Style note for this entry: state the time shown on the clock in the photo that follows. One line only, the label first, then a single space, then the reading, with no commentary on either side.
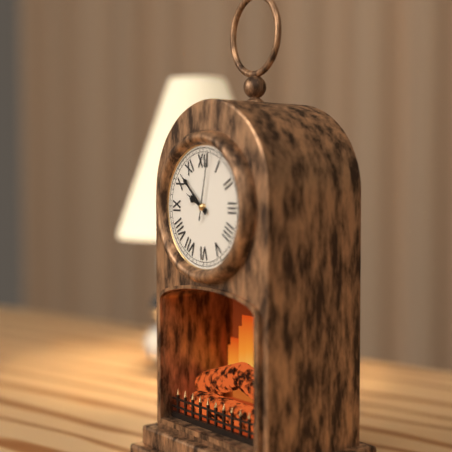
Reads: 9:52:02
